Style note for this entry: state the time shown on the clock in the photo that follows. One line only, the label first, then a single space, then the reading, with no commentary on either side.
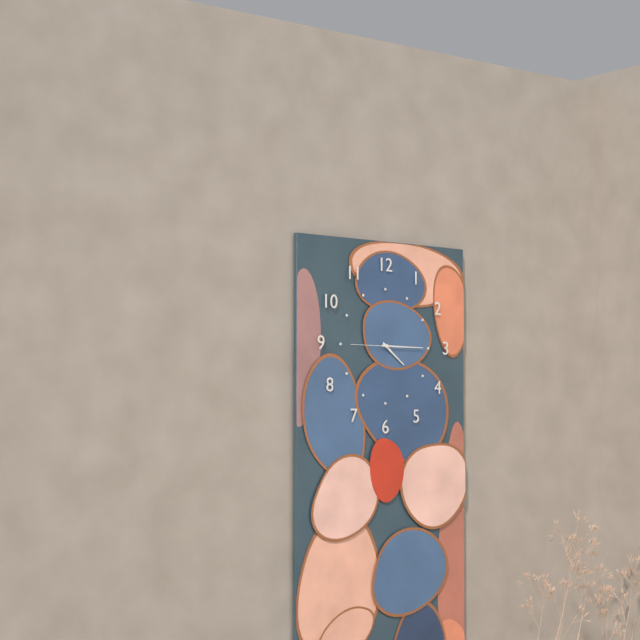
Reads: 4:15
